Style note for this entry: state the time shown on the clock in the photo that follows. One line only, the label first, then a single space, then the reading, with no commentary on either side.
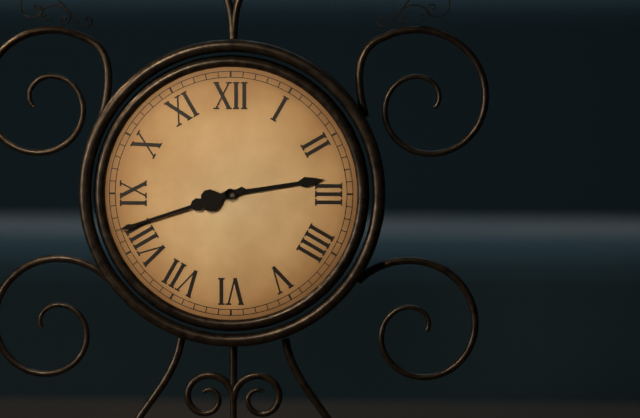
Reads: 2:42
